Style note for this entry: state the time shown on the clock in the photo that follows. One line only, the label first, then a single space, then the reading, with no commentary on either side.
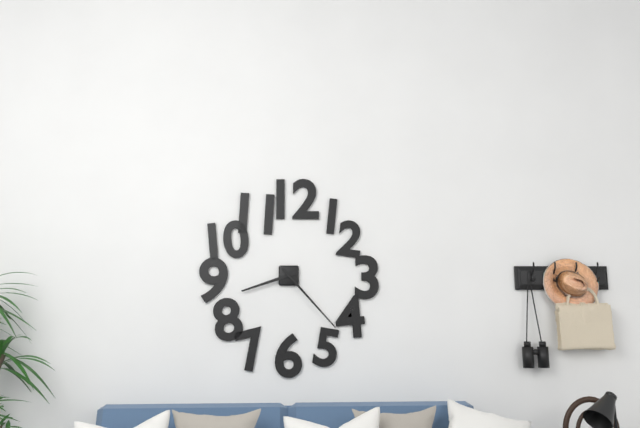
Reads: 8:23
